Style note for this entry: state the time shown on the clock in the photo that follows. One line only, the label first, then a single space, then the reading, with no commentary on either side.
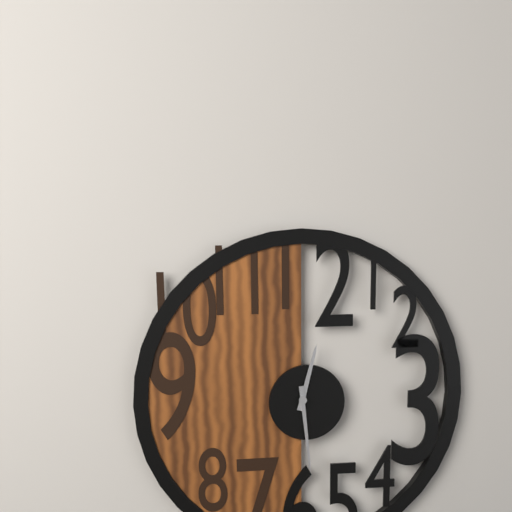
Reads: 12:29
